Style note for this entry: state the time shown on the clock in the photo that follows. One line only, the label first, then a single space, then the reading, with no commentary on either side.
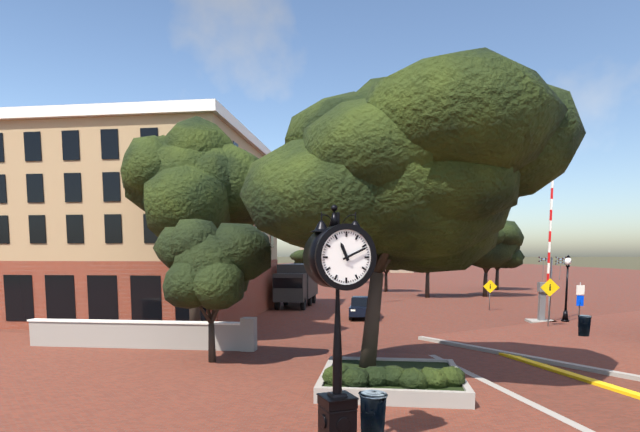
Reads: 11:11
